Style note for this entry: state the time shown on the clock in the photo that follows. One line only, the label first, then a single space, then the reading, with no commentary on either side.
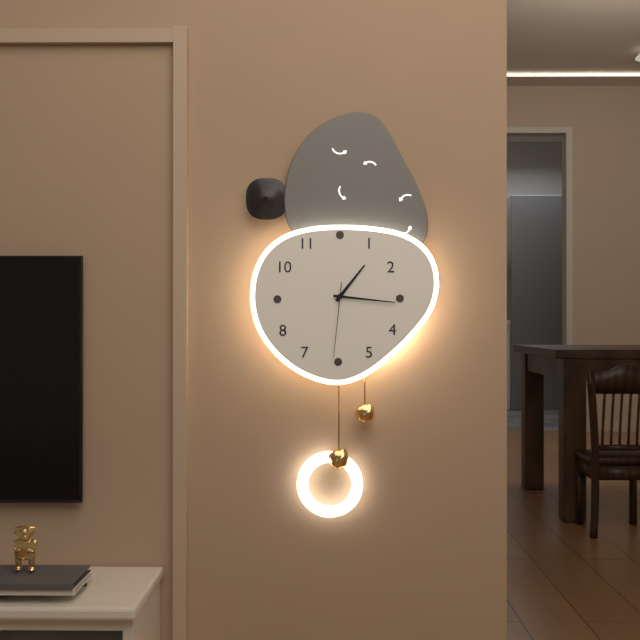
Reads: 1:16:31
